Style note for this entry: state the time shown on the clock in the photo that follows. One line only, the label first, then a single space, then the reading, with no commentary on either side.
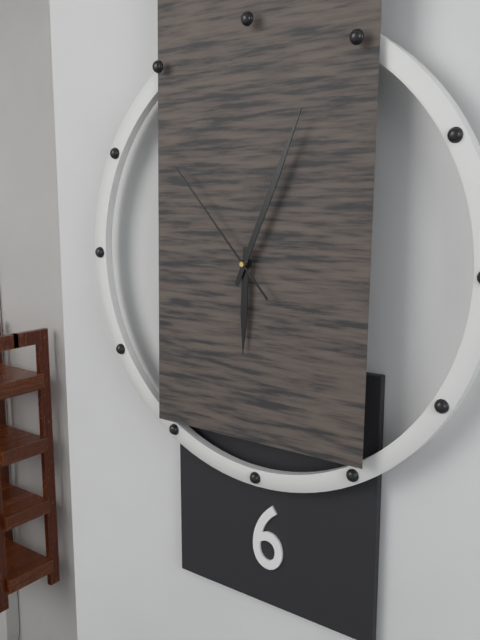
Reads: 6:04:53
